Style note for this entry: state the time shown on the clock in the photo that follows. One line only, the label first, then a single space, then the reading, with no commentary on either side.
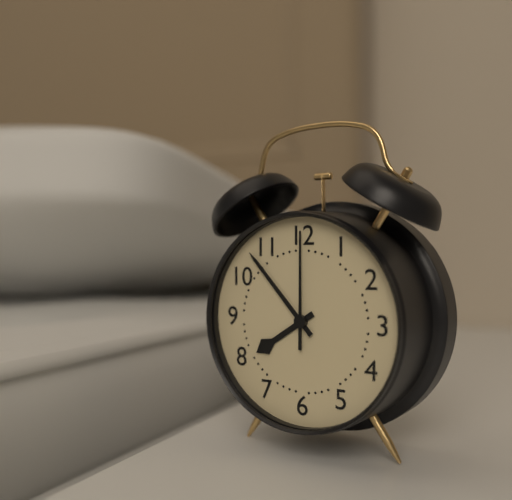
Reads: 7:53:00
